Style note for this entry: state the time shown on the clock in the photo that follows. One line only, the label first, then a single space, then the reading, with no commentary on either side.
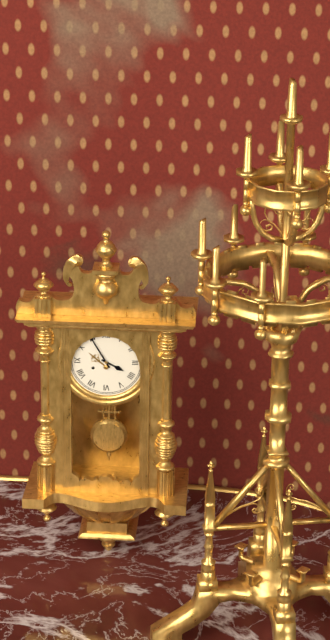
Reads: 3:55
